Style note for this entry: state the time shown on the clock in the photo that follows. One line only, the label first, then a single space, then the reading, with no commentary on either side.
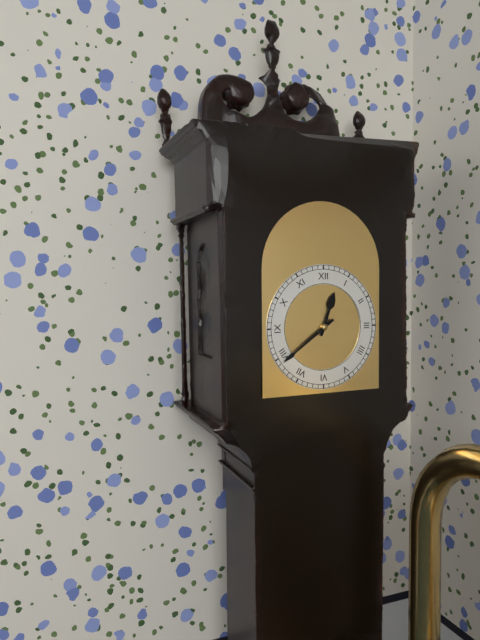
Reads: 12:39
